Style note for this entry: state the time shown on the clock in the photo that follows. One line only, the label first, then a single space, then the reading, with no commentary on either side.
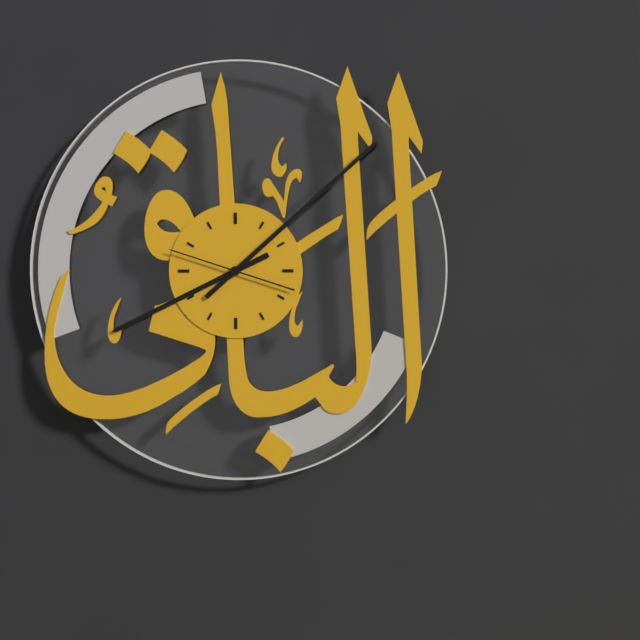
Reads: 8:08:48
